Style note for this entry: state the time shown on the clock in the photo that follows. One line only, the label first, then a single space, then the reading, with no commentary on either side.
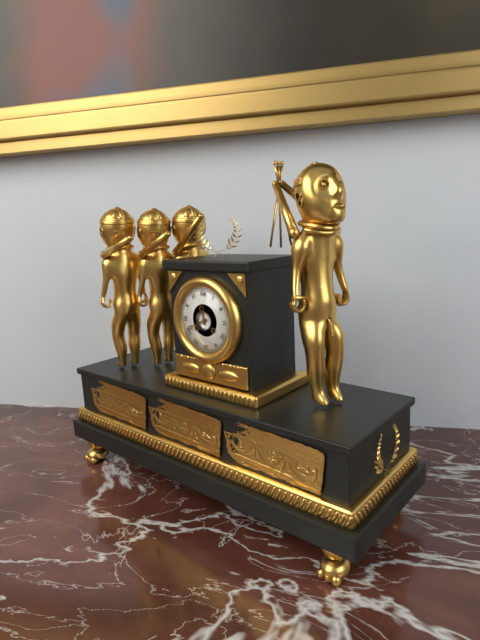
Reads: 11:41
